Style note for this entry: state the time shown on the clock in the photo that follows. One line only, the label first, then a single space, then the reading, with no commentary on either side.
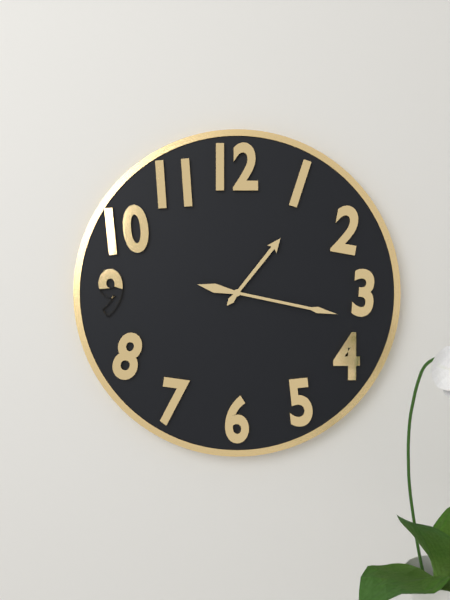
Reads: 1:17
